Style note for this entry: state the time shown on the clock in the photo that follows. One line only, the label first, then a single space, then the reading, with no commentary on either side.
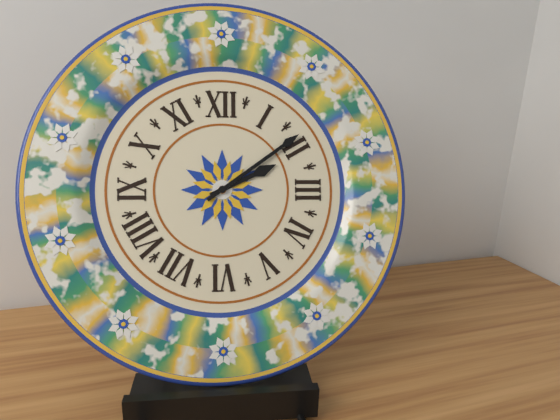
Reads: 2:09
